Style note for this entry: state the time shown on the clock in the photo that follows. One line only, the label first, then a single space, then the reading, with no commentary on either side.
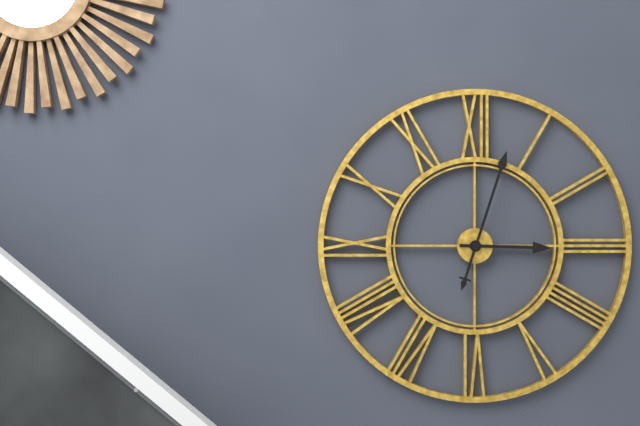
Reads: 3:03
